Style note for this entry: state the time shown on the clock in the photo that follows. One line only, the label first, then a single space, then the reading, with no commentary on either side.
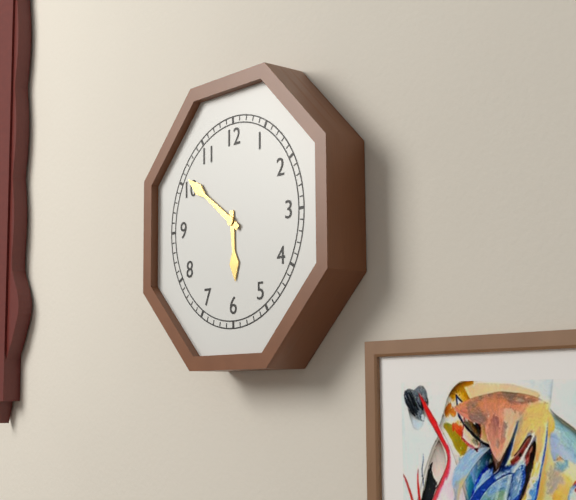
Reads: 5:51
